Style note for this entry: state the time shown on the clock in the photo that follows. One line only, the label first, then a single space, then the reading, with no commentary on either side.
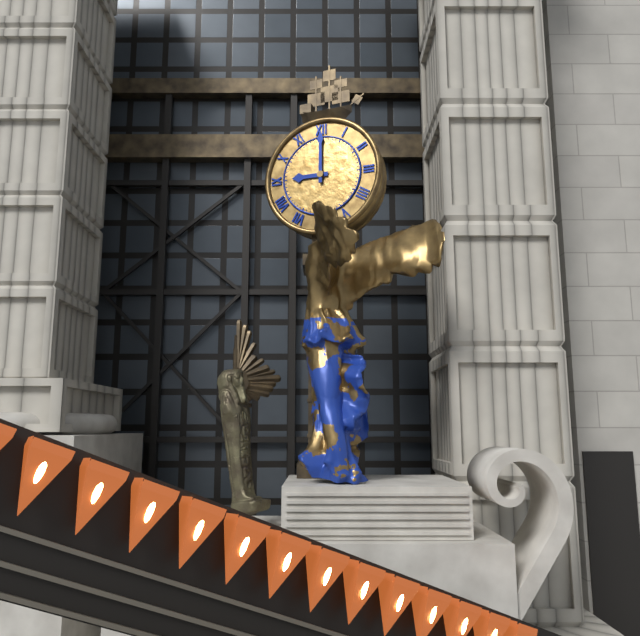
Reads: 9:00
